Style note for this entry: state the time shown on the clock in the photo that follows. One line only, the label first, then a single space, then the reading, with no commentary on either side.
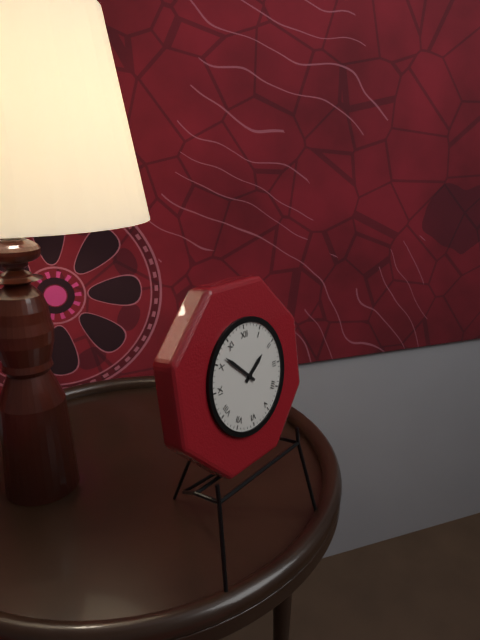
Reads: 1:52
